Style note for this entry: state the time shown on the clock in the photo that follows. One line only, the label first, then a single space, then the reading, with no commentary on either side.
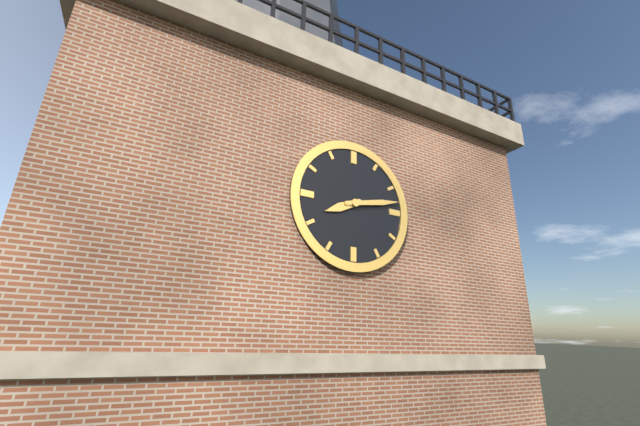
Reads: 8:13
